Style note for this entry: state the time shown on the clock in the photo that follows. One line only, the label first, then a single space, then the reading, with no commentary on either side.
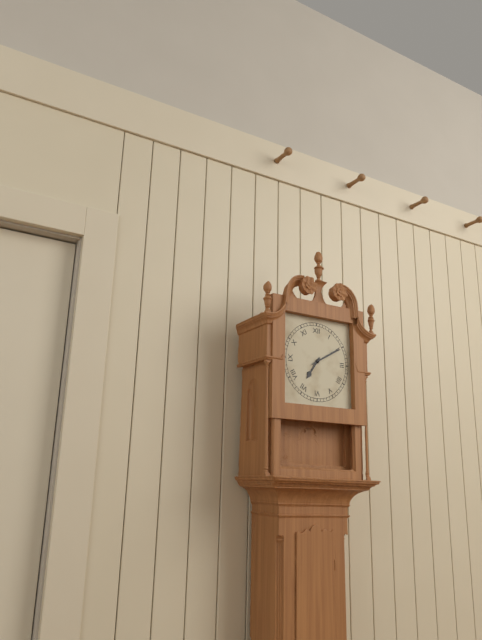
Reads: 7:10
